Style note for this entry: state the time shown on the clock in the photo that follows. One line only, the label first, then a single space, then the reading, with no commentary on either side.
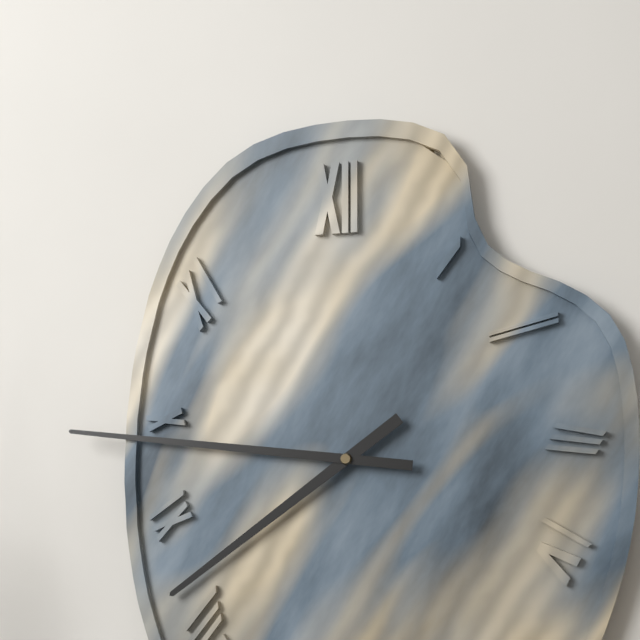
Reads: 7:46
